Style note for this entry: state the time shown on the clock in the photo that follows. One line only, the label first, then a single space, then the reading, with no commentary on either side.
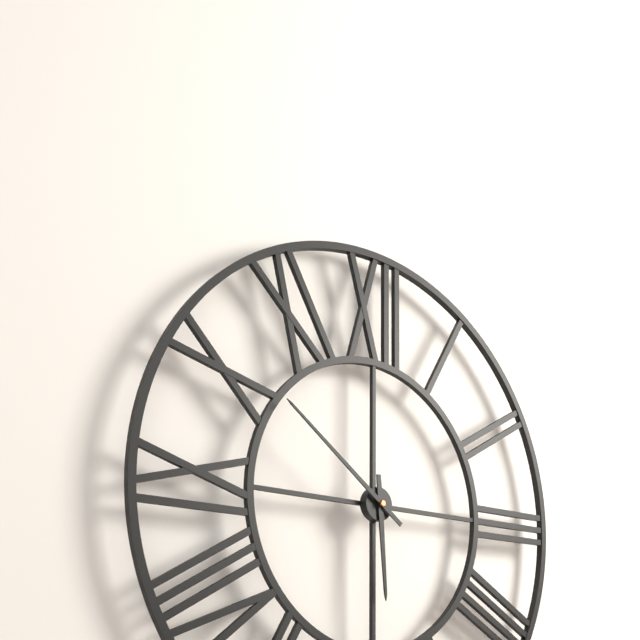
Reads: 5:51
